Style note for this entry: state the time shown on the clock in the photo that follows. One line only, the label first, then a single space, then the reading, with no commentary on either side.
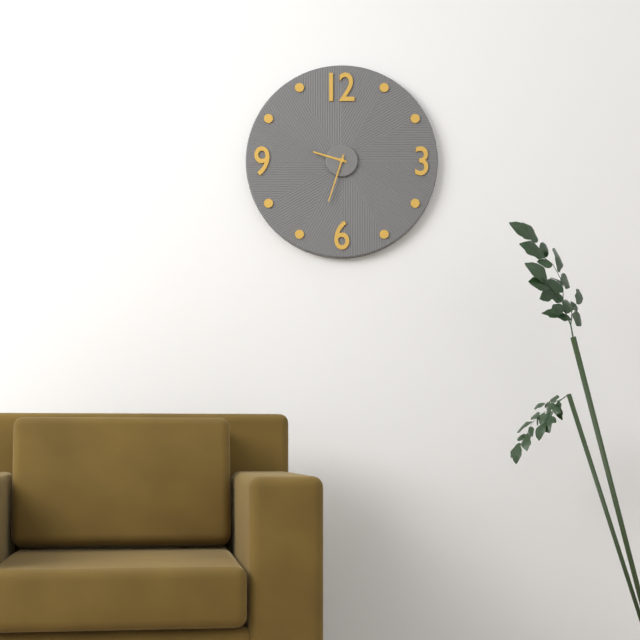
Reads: 9:33
